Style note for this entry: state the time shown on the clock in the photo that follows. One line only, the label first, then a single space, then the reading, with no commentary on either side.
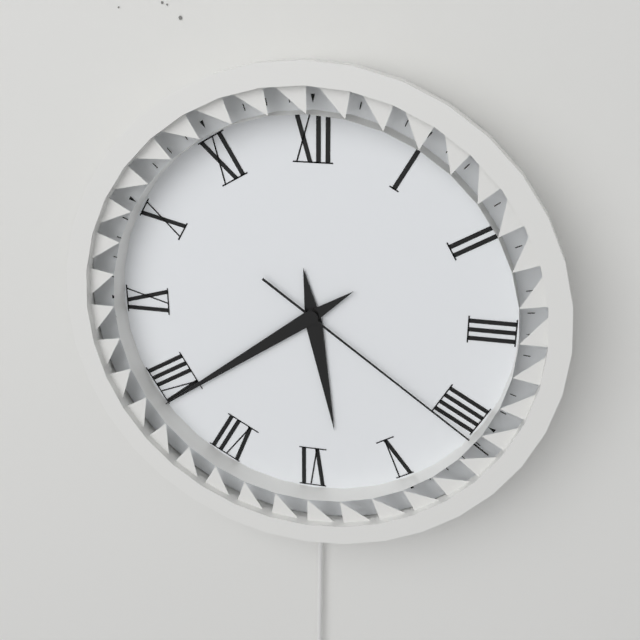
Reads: 5:39:21
